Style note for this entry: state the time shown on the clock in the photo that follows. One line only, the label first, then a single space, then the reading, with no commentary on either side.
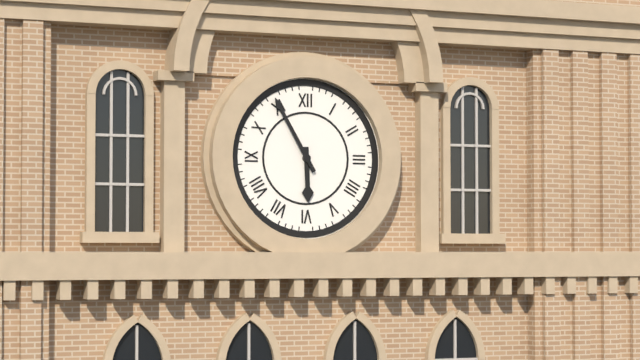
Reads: 5:55
